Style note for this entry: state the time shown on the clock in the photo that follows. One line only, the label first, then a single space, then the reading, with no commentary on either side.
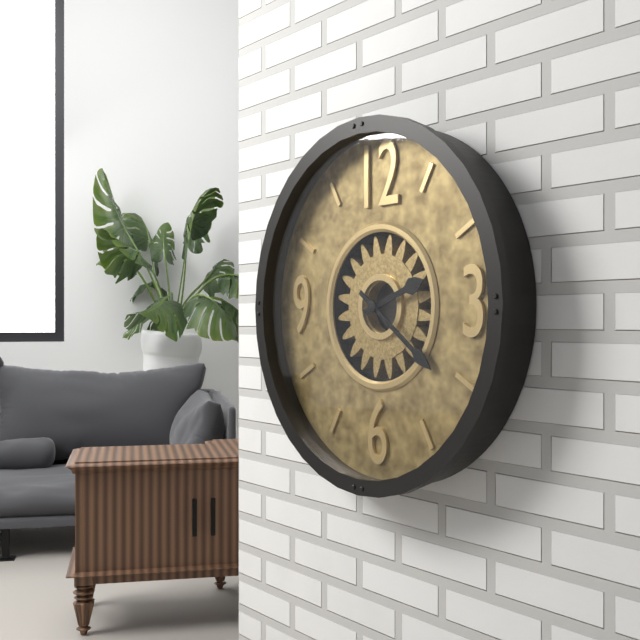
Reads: 2:21
